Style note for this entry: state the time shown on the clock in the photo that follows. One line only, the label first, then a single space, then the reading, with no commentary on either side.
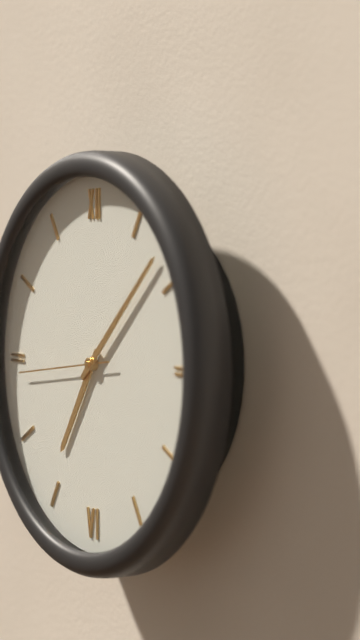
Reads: 7:08:44
